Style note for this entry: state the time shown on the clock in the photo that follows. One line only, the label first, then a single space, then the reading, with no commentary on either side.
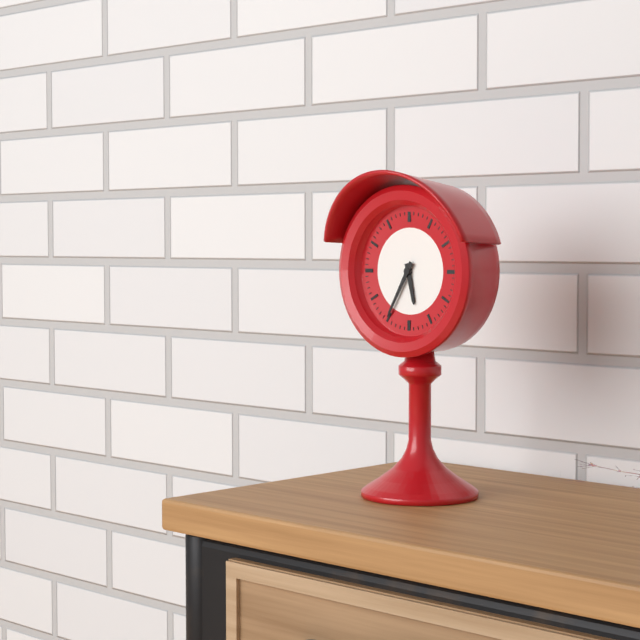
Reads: 5:35
